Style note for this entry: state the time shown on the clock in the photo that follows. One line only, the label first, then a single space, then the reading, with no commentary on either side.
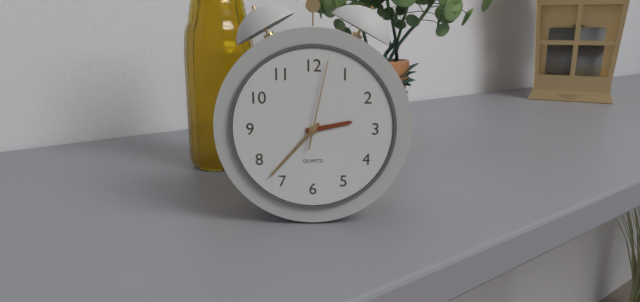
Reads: 2:37:02
